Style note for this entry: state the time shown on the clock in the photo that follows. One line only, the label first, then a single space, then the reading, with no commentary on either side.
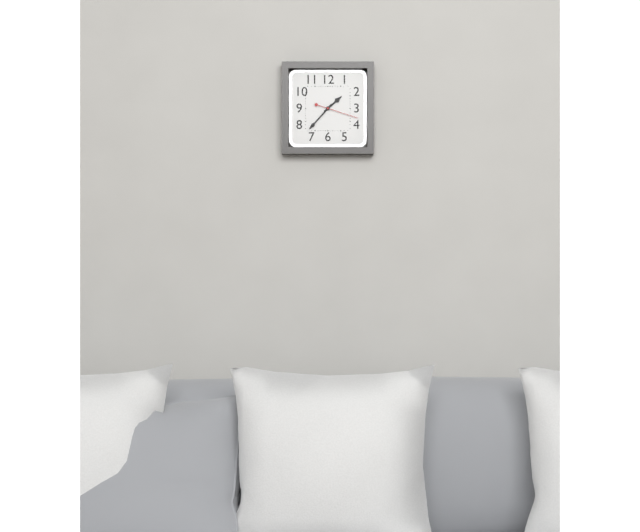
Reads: 1:37
